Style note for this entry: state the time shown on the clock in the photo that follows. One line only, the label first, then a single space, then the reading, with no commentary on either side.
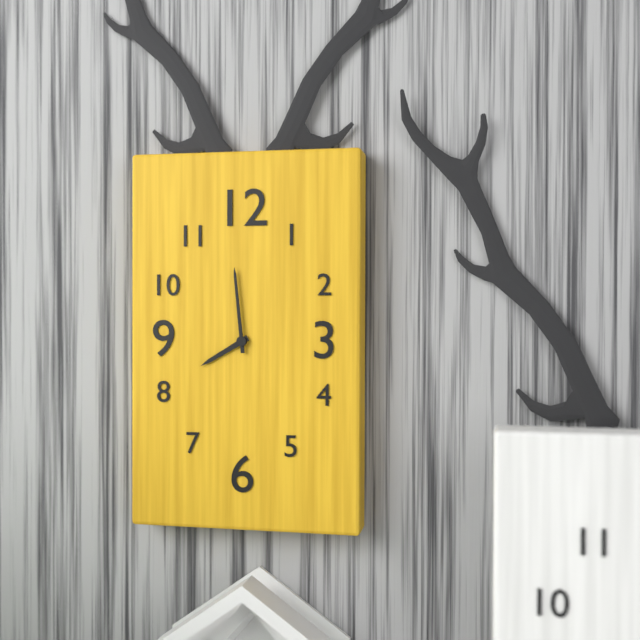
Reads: 7:59
